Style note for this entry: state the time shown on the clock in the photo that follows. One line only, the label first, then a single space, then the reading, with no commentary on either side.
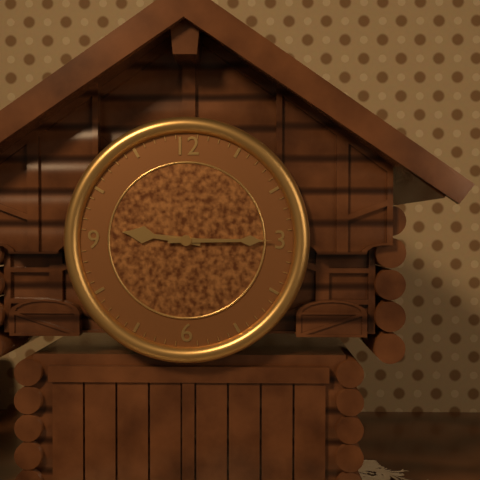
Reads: 9:15
